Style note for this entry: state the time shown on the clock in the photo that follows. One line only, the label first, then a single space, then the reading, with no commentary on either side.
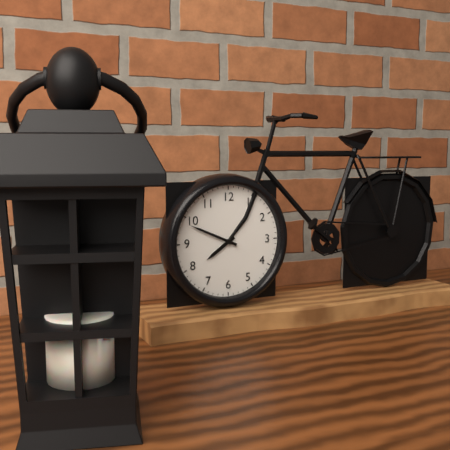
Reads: 7:49
